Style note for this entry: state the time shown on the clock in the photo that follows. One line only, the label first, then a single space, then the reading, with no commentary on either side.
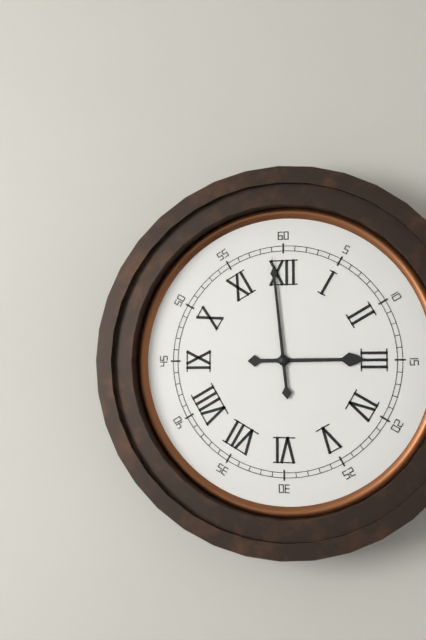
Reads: 2:59
